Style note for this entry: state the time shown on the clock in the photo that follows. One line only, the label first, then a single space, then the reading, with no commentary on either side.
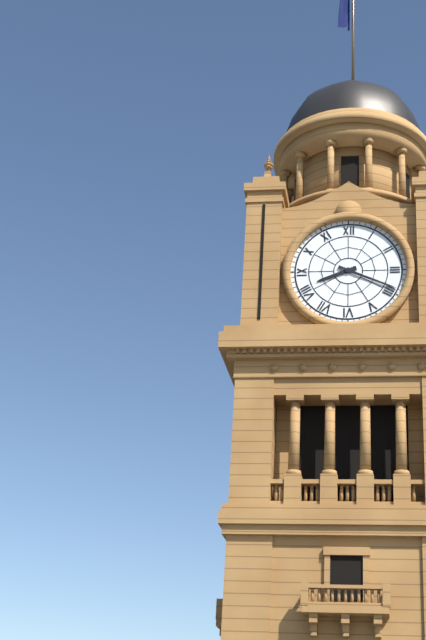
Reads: 8:19
